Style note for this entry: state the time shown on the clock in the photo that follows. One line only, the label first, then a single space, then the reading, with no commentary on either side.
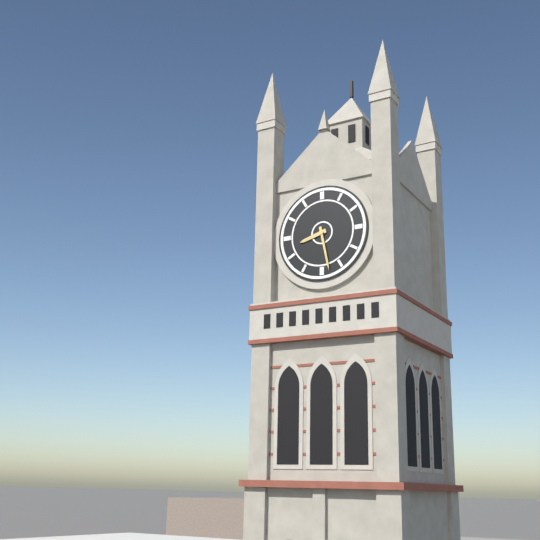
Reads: 8:28
